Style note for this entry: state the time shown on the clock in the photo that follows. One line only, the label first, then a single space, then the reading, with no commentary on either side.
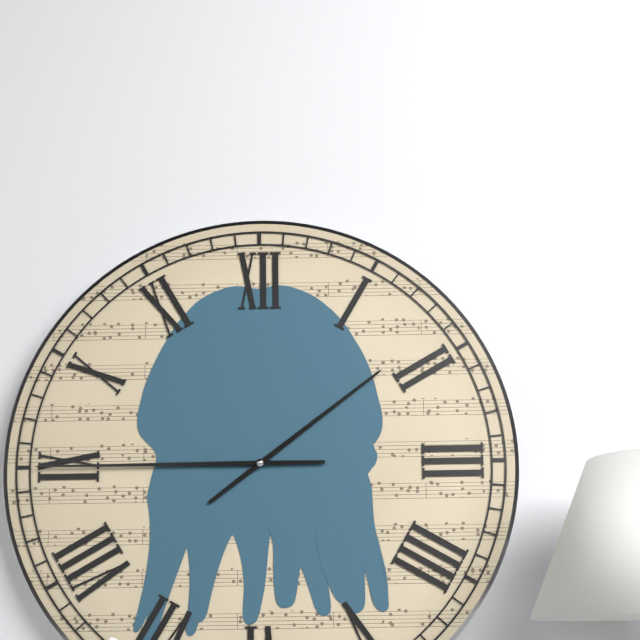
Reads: 1:45
